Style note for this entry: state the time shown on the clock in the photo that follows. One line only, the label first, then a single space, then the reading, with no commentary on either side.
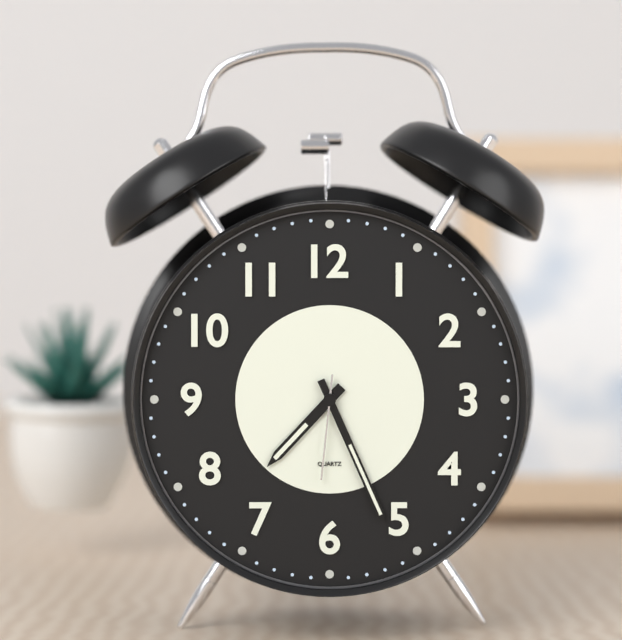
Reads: 7:26:31
